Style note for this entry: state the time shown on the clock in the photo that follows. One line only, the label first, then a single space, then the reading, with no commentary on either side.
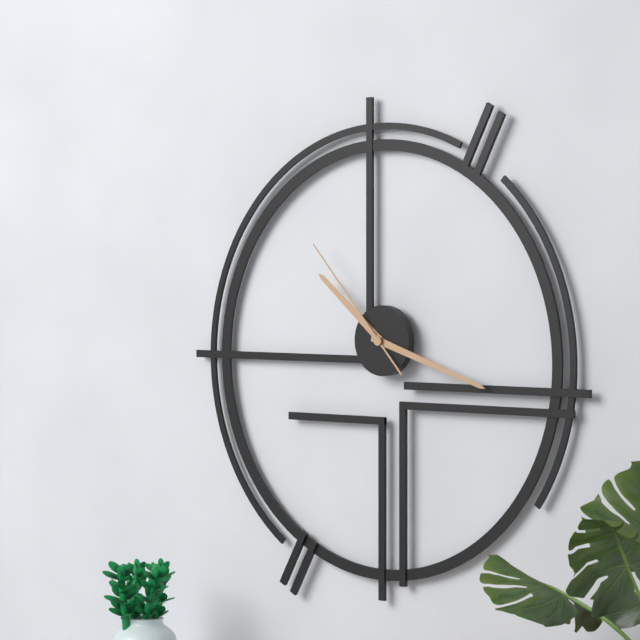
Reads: 10:18:53
